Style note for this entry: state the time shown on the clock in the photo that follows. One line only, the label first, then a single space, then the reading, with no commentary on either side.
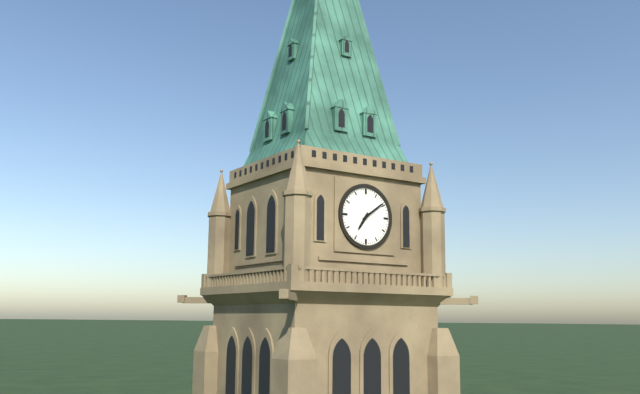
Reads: 7:09
